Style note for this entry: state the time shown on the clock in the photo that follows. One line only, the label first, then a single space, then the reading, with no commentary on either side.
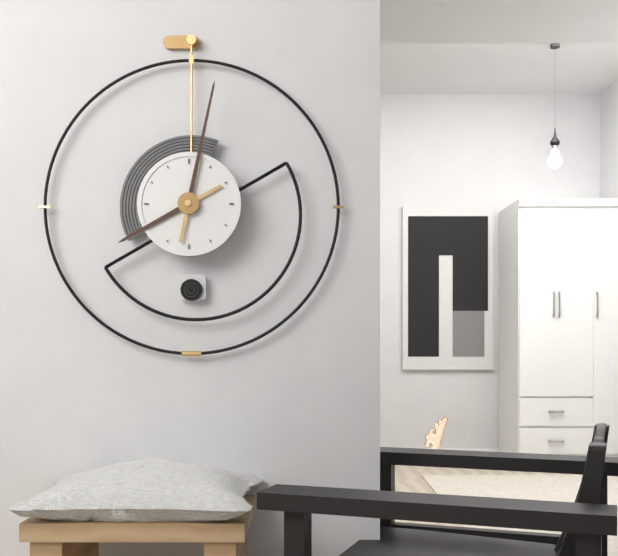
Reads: 8:02
